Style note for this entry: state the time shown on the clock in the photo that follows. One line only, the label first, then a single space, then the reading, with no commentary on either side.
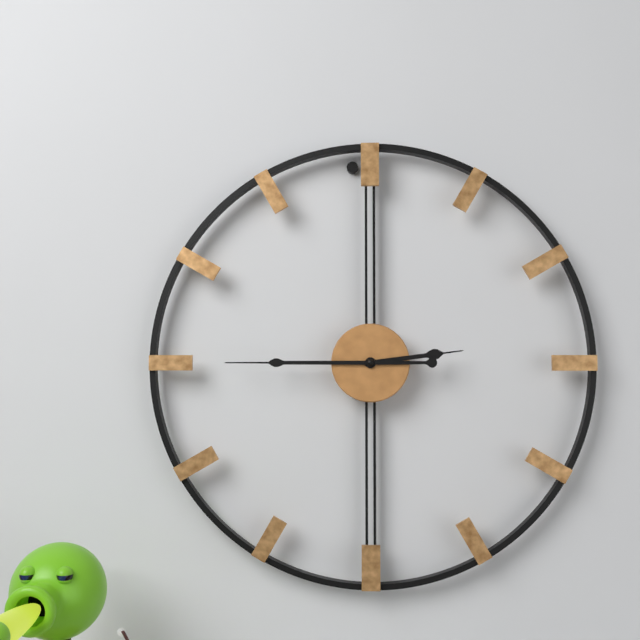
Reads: 2:45
